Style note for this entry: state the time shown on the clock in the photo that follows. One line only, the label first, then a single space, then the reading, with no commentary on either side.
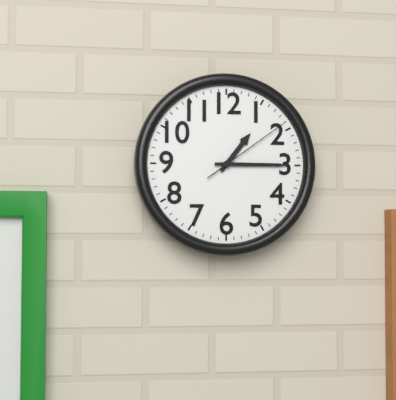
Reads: 1:15:09
